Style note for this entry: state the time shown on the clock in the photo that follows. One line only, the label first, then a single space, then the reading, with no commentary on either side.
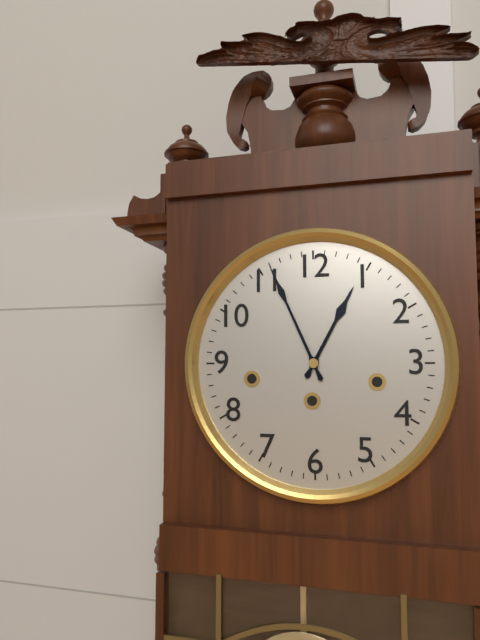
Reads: 12:56
